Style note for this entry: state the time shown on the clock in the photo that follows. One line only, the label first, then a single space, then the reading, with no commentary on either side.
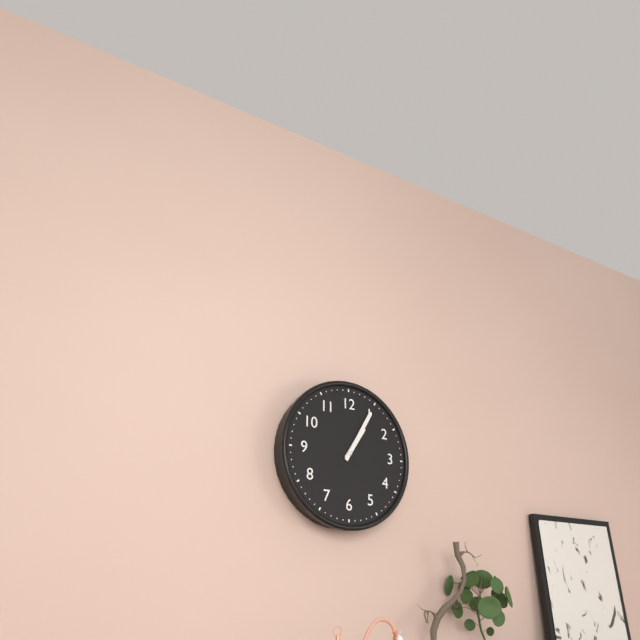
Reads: 1:05
